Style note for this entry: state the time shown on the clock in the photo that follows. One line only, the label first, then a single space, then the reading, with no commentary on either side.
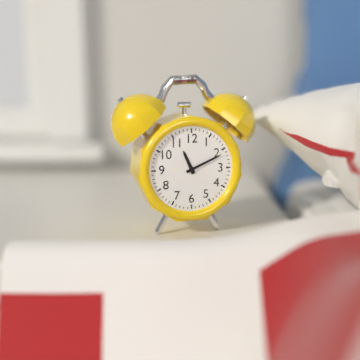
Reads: 11:11
